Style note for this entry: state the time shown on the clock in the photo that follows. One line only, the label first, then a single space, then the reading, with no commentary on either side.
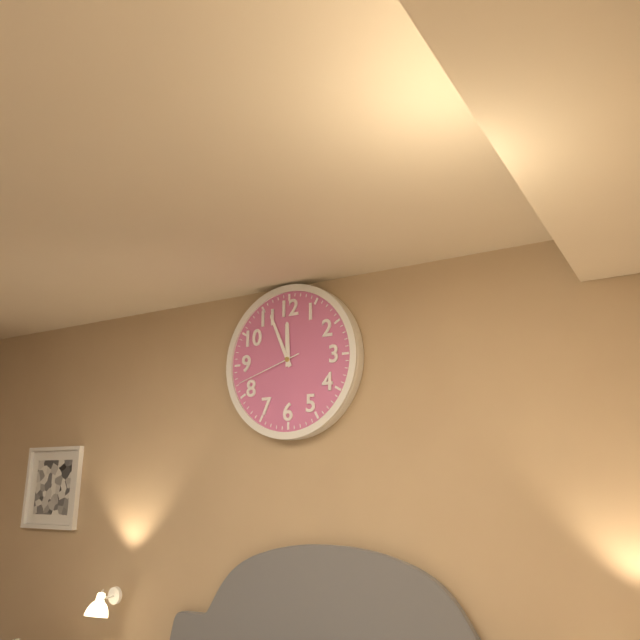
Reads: 11:56:42
